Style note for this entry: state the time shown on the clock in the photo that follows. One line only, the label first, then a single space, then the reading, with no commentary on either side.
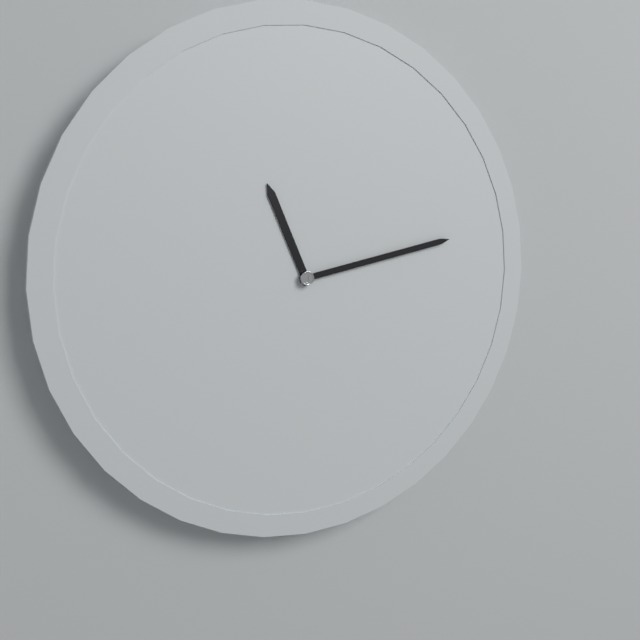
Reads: 11:13
